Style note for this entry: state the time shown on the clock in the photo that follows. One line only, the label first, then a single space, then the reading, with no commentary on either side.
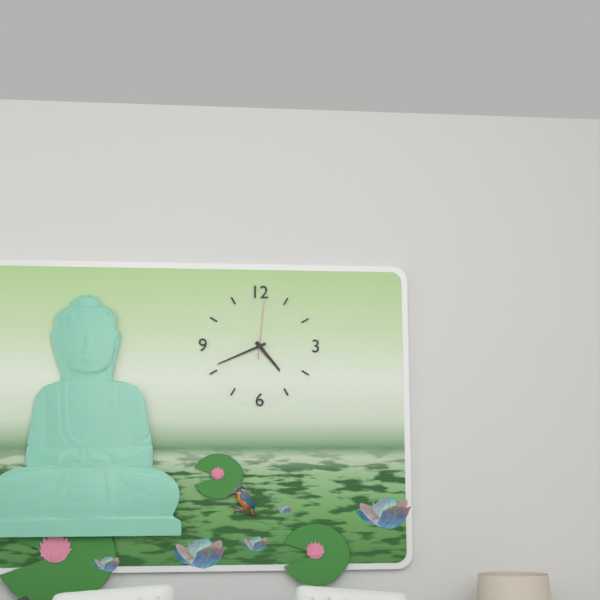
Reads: 4:41:01
